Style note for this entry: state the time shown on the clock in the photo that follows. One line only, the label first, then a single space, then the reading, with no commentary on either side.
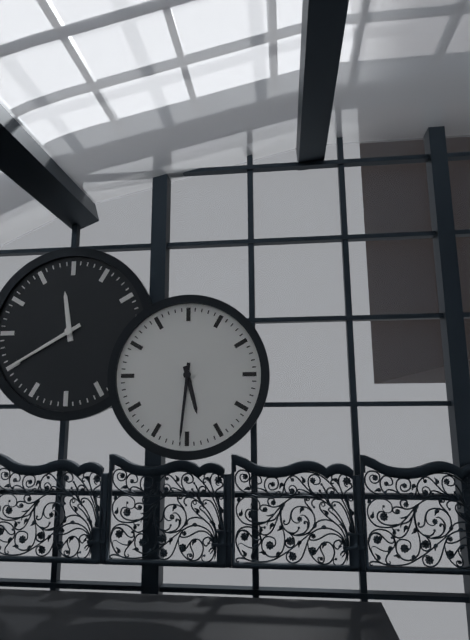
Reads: 5:31
